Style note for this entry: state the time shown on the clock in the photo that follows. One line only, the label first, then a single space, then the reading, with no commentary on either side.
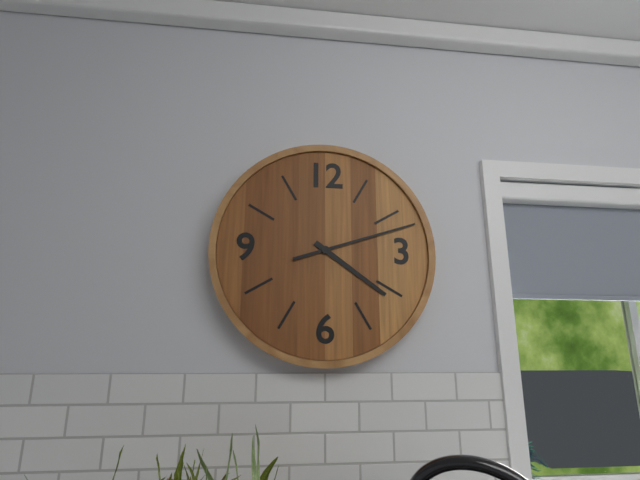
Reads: 4:12
